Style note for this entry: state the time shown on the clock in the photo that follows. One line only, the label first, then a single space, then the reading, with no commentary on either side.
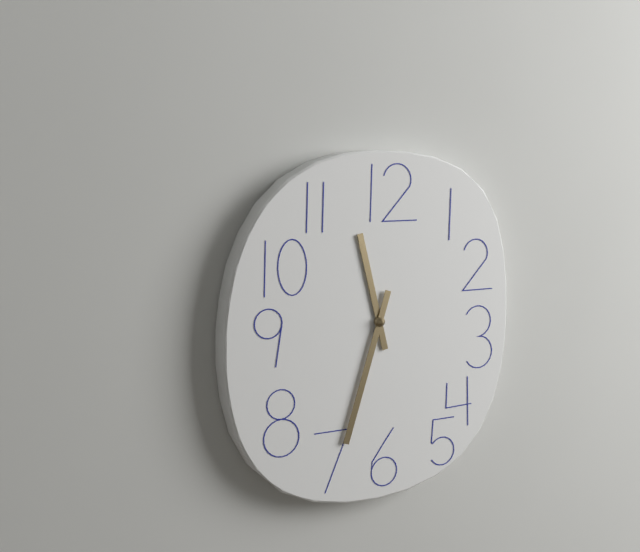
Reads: 11:33
